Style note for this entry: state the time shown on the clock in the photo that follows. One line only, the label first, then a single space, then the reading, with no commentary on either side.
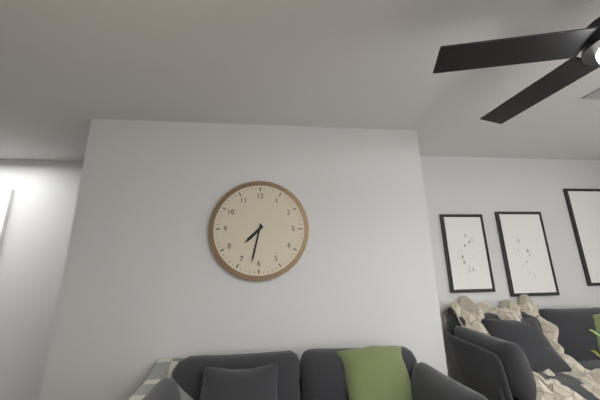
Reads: 7:32
